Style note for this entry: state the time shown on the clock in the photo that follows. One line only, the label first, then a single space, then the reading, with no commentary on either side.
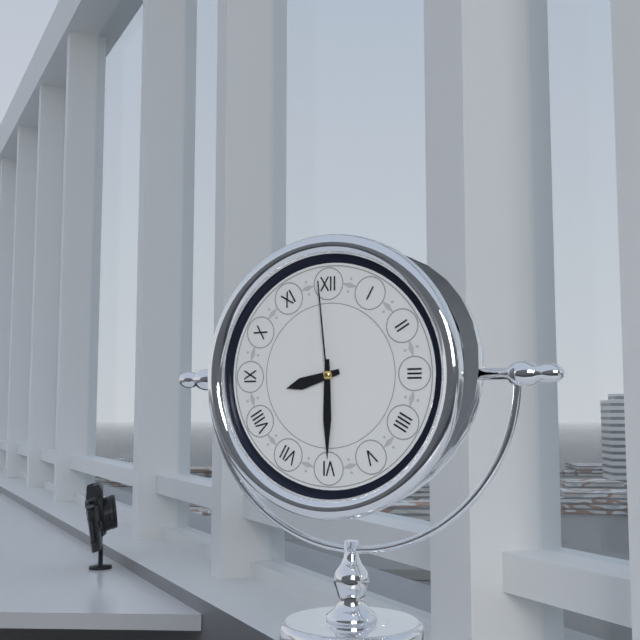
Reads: 8:30:59
